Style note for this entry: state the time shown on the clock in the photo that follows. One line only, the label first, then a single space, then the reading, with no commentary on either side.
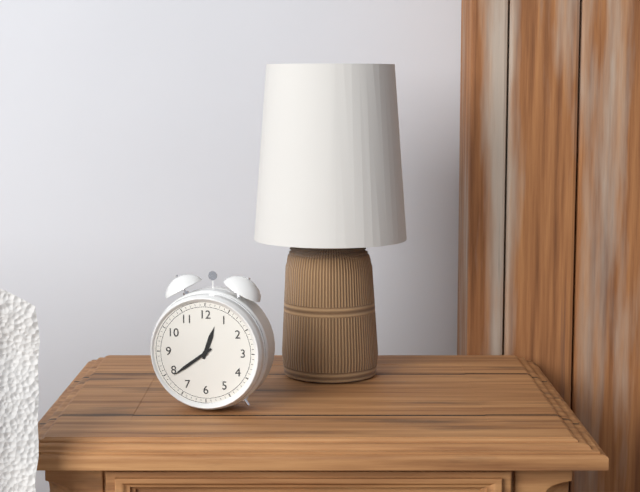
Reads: 12:39
